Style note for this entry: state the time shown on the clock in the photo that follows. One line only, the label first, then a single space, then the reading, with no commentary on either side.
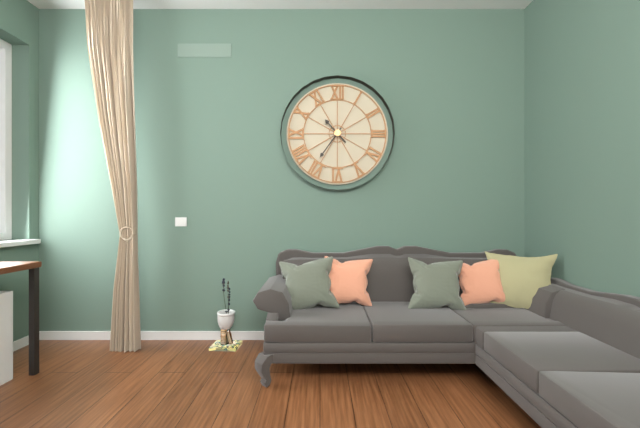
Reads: 10:36
